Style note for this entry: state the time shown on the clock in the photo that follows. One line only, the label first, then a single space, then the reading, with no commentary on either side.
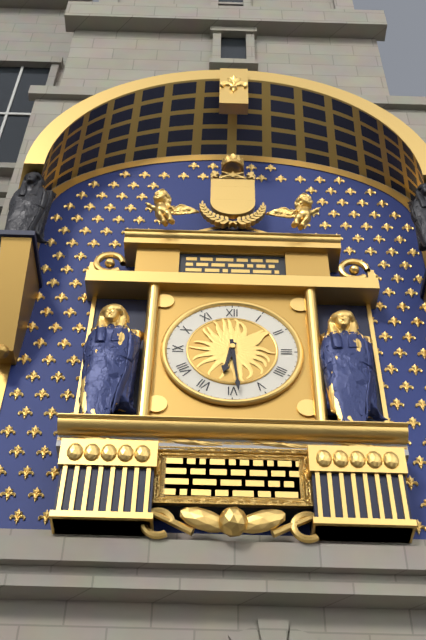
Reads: 6:29
